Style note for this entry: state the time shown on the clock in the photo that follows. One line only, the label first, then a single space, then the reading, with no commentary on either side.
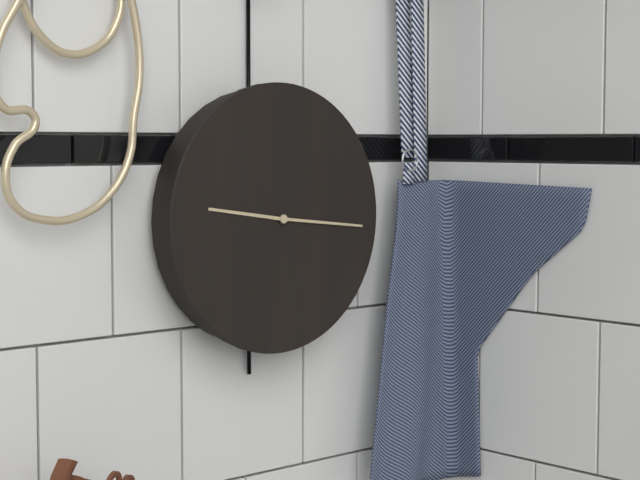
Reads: 9:16
